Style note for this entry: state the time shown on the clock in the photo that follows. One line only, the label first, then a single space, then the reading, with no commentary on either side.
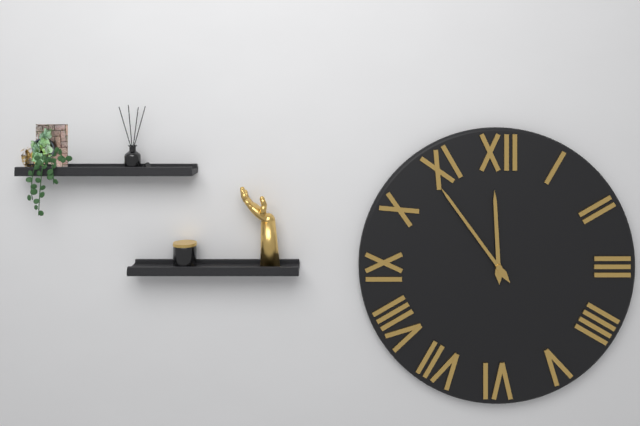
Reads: 11:54
